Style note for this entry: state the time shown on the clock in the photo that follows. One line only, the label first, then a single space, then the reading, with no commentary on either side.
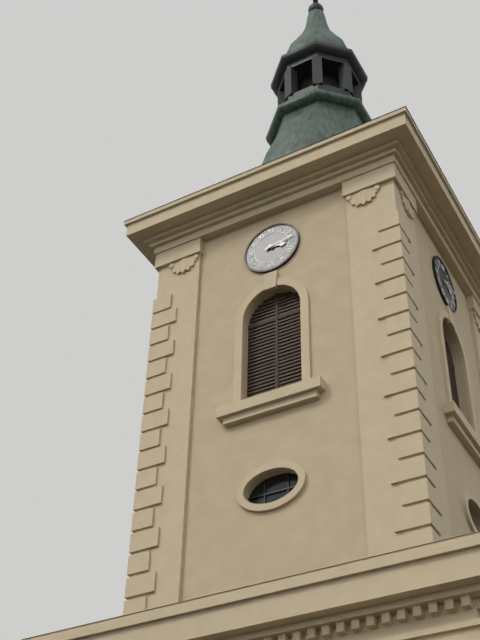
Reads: 3:13
